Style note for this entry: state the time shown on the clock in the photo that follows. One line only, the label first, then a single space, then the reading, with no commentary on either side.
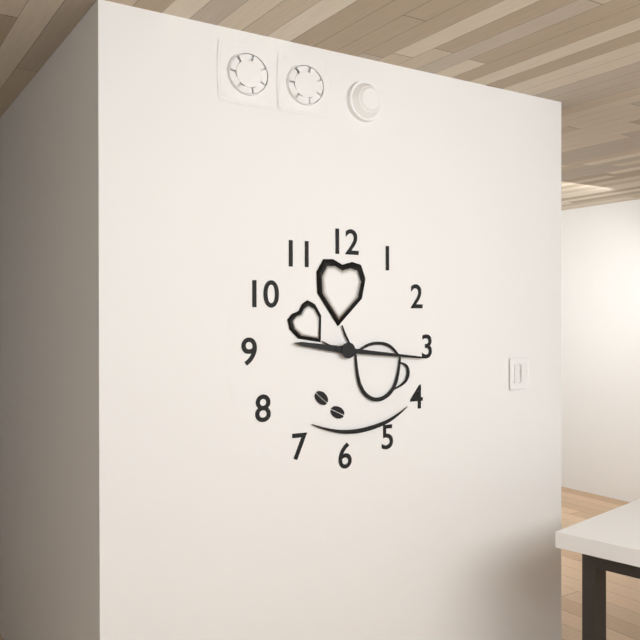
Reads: 9:16
